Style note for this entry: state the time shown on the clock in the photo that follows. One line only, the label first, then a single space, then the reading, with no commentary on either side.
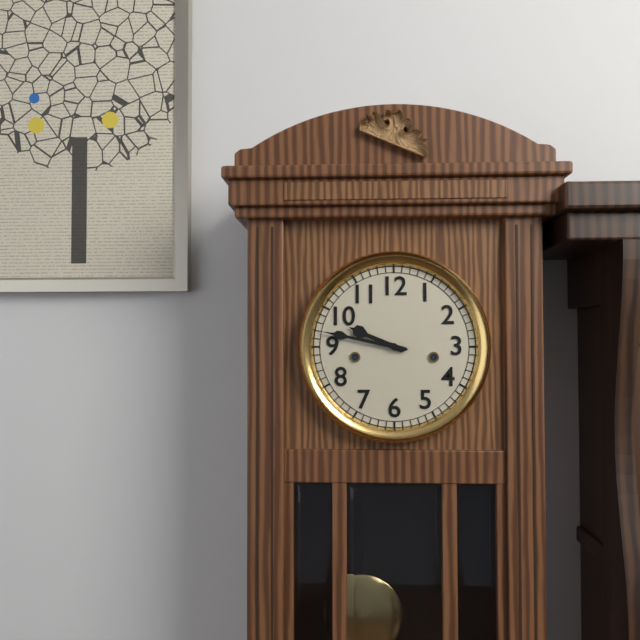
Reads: 9:47
